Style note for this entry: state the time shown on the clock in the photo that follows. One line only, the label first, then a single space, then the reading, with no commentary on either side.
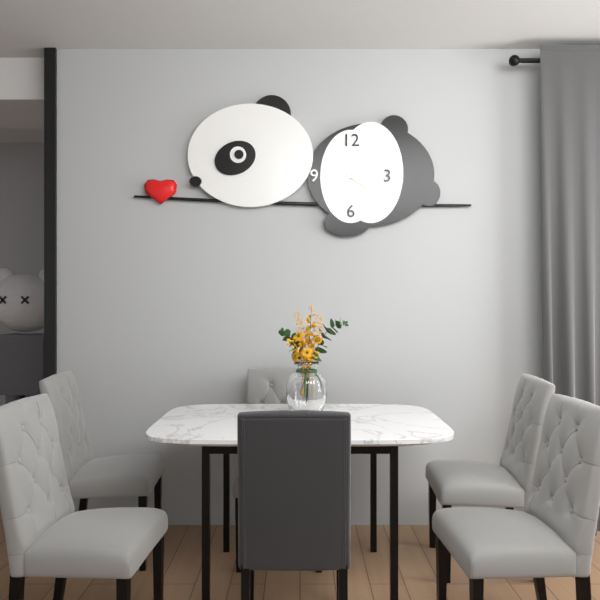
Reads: 4:09
